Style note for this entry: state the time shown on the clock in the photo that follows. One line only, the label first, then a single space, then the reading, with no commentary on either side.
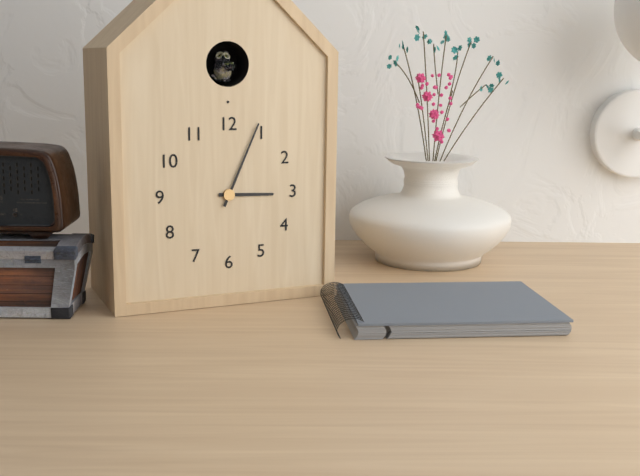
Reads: 3:04
